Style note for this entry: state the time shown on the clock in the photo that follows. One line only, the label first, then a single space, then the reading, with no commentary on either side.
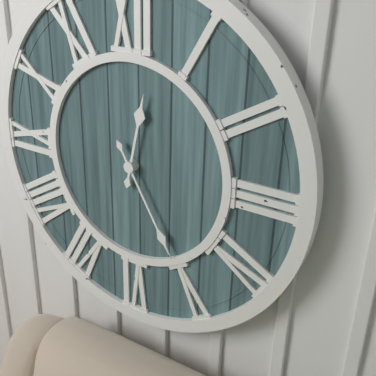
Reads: 12:25
